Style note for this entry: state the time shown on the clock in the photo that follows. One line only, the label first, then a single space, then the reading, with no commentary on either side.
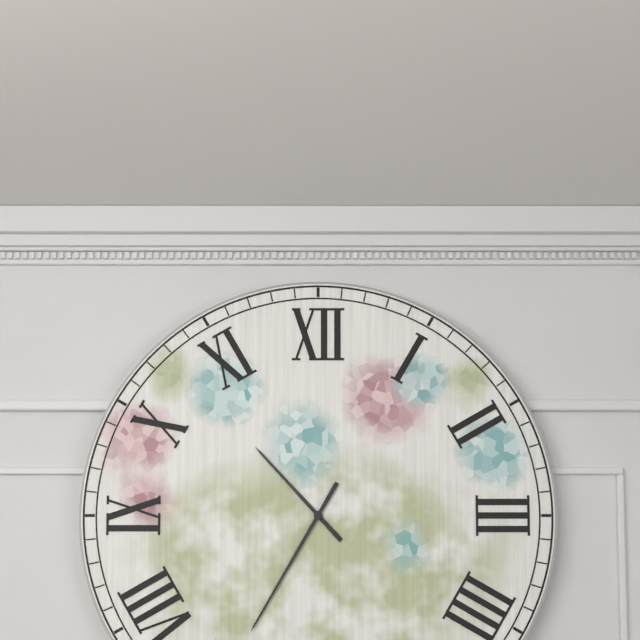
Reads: 10:35
